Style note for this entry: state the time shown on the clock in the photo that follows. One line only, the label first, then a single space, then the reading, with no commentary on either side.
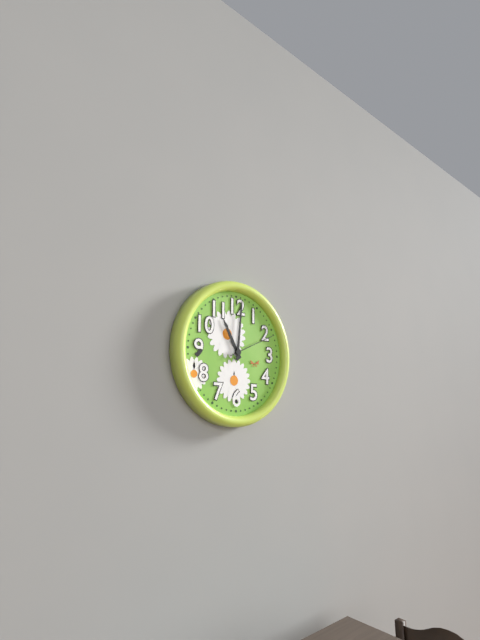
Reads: 11:01:11
